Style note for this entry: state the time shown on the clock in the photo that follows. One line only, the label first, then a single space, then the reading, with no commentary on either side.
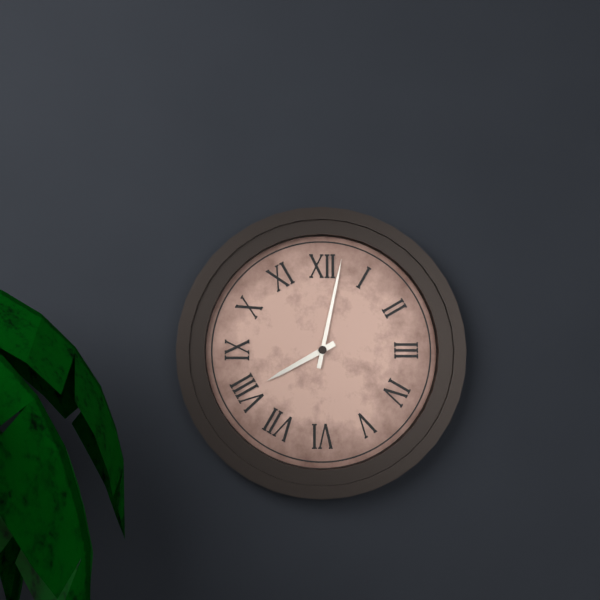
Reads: 8:02
